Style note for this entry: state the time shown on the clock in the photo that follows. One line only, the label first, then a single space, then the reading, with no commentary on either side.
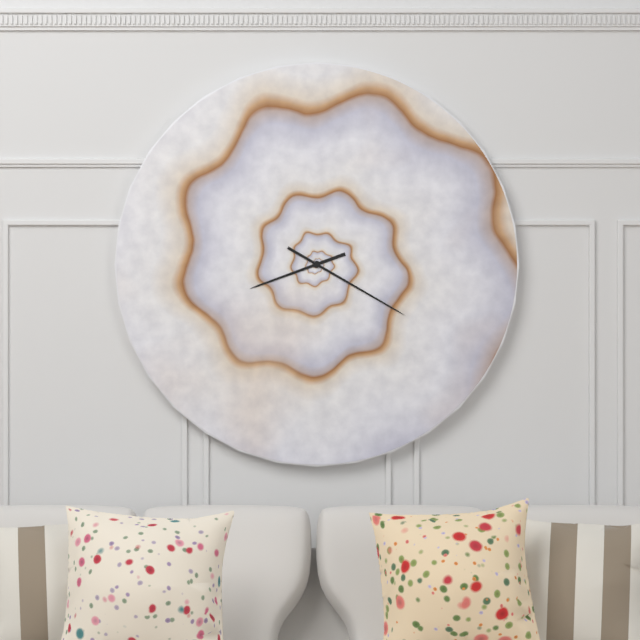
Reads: 8:20
